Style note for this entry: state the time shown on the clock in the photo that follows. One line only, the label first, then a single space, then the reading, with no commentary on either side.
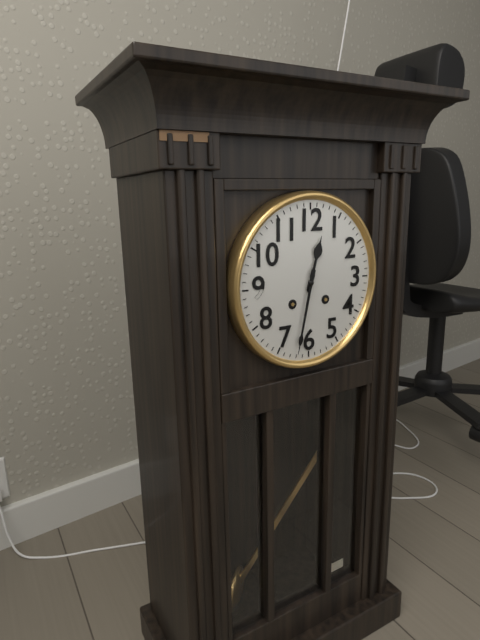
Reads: 12:32
